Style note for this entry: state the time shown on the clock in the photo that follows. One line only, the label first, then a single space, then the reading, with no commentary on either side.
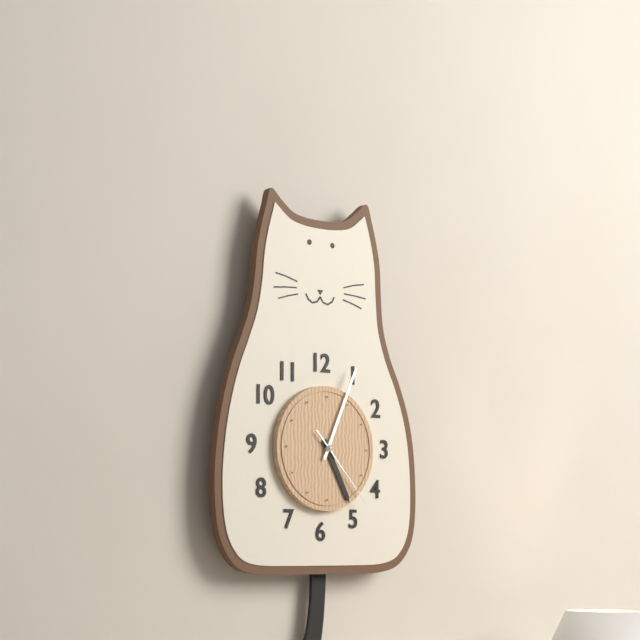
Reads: 5:04:23
